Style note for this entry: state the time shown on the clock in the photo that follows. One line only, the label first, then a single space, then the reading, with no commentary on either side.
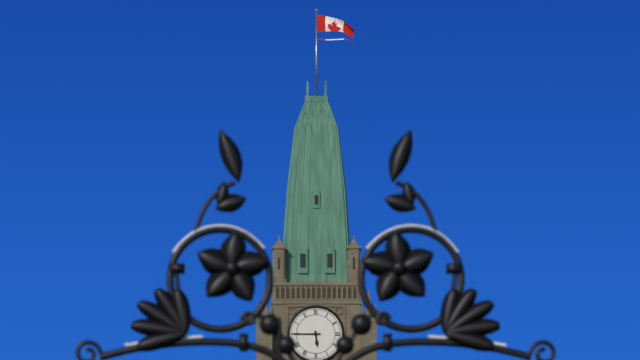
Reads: 5:45
